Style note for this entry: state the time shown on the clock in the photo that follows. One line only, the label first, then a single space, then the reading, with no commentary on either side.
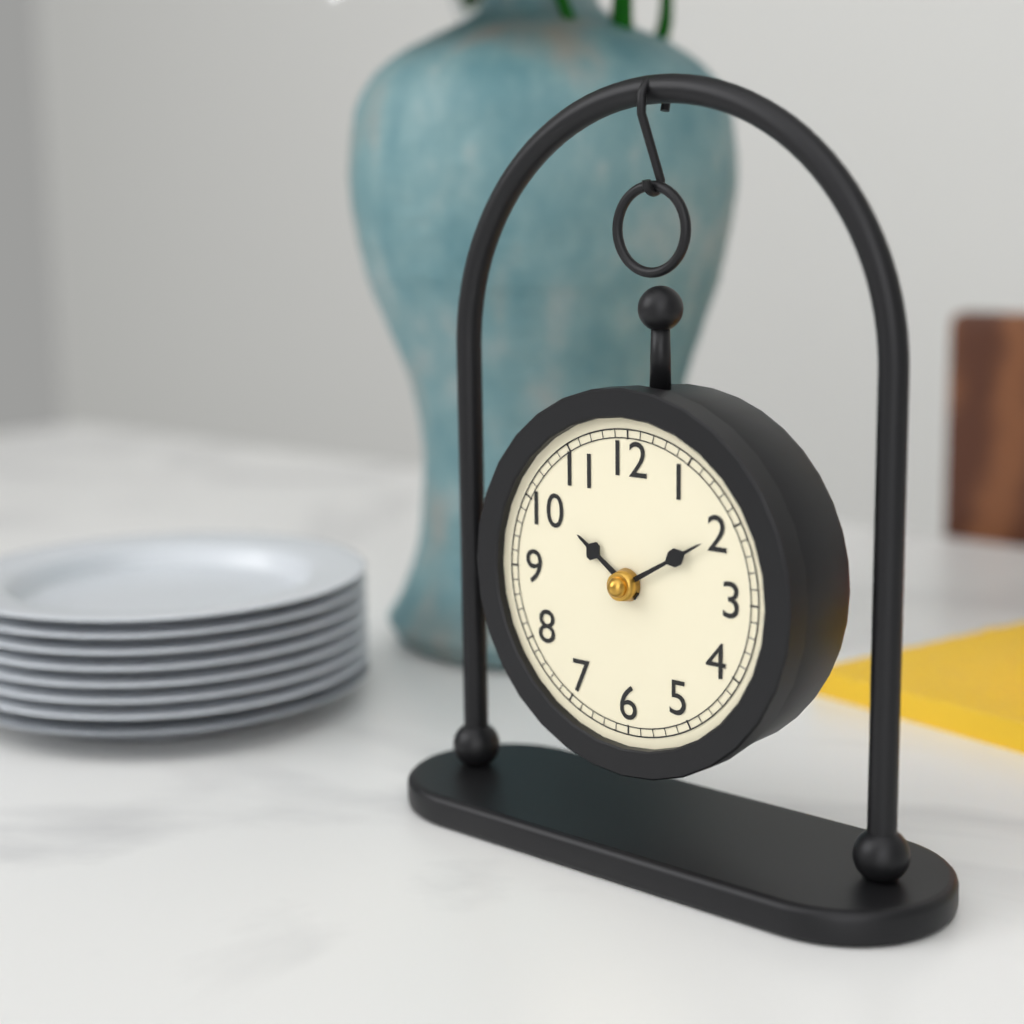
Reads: 10:10
